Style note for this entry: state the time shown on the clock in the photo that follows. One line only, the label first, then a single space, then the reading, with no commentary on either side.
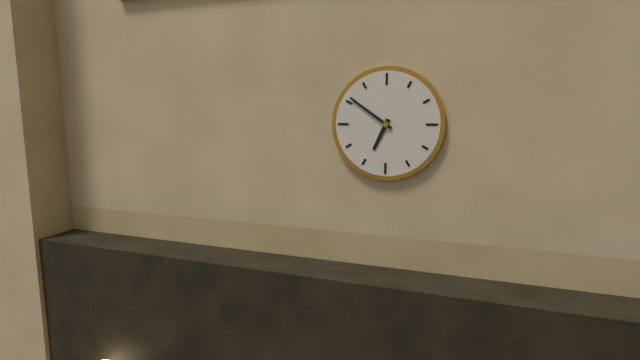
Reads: 6:51
